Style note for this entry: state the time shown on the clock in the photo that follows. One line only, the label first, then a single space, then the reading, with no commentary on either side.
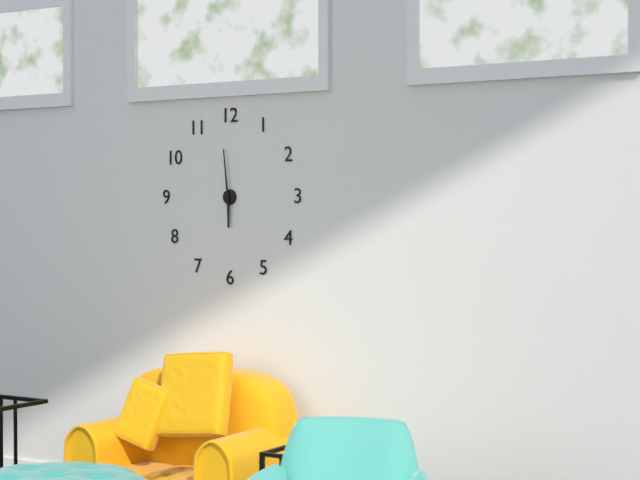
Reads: 5:59
